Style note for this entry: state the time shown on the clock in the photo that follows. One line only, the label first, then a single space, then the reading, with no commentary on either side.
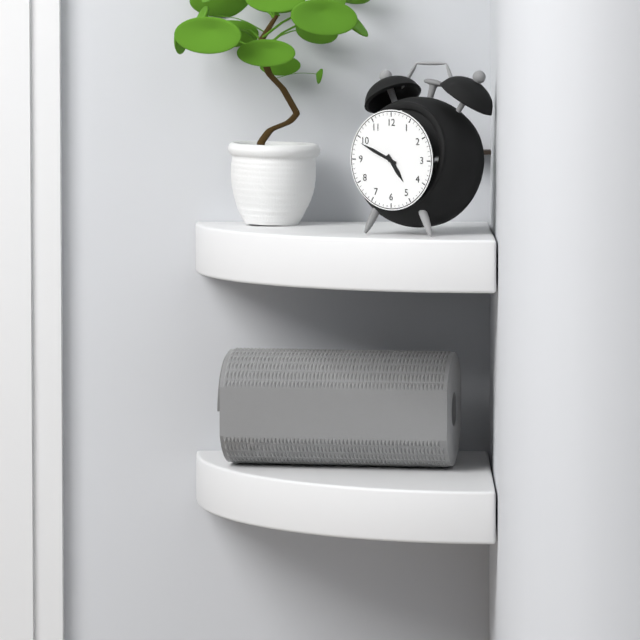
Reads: 4:49
